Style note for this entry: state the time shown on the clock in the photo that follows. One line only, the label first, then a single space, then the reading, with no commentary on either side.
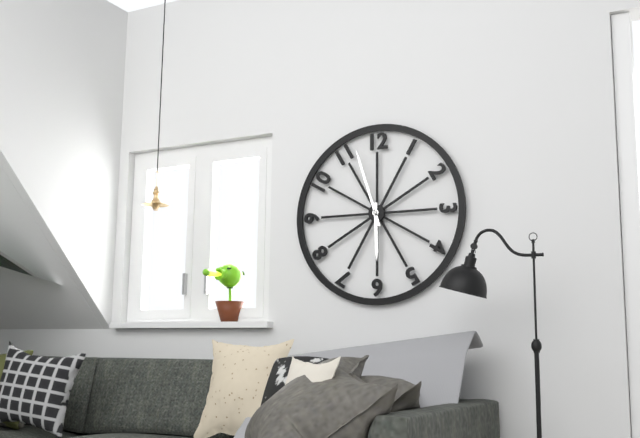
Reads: 5:57
